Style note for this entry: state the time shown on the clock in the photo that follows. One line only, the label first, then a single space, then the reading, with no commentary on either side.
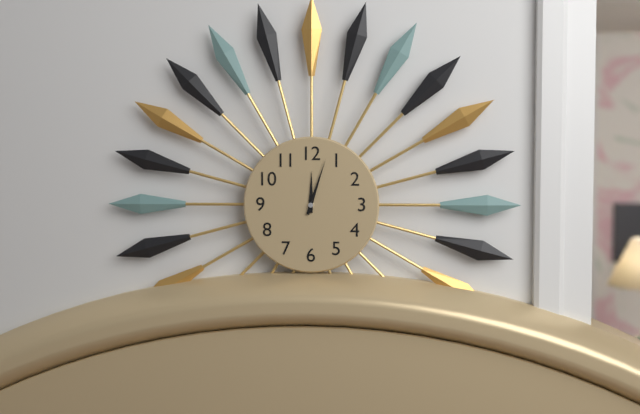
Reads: 12:03
